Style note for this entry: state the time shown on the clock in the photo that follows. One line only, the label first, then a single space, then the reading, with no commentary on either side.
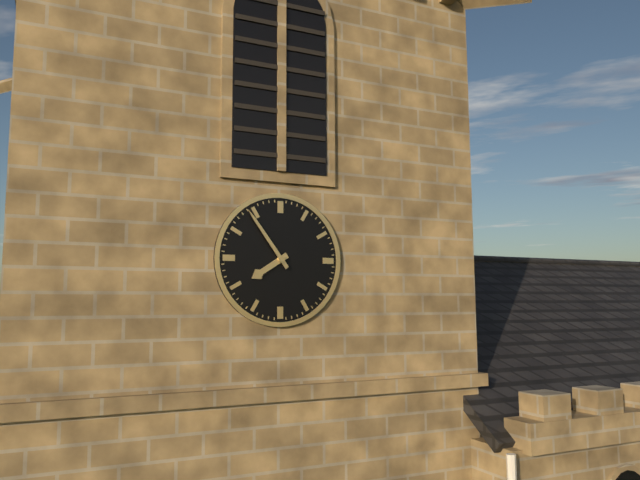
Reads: 7:54
